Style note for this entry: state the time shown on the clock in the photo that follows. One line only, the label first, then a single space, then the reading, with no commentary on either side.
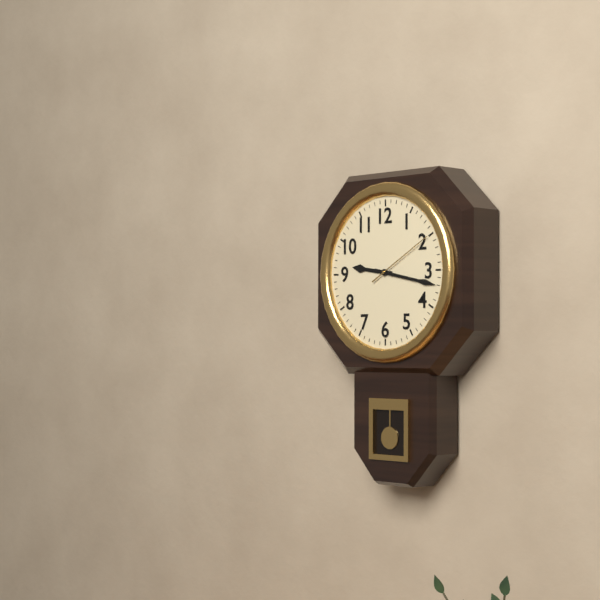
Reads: 9:17:10
